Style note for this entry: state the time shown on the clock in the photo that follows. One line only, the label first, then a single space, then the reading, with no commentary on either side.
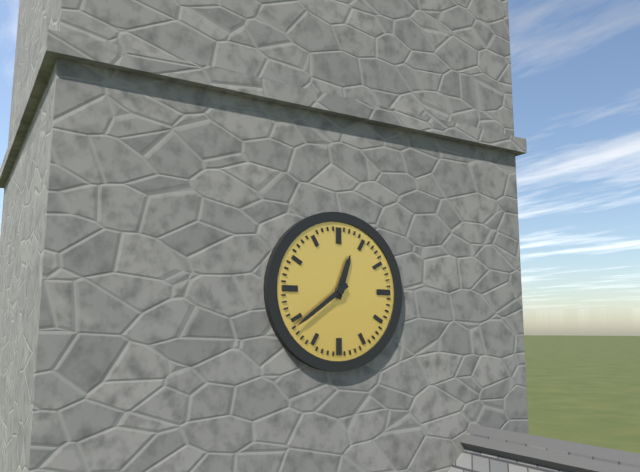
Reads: 12:39
